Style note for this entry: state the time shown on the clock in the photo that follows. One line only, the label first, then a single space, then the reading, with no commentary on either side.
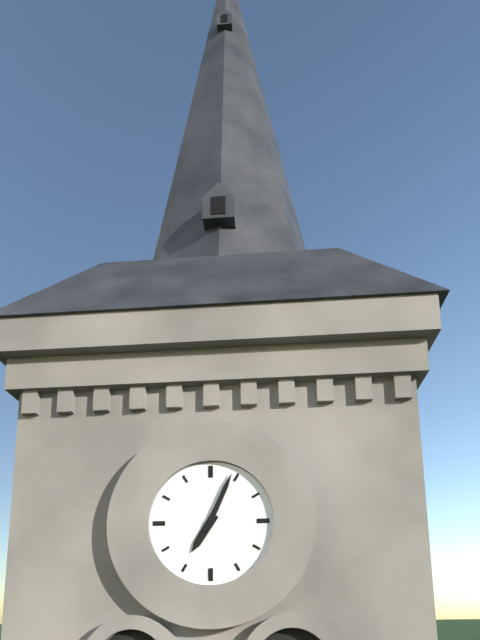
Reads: 7:04
